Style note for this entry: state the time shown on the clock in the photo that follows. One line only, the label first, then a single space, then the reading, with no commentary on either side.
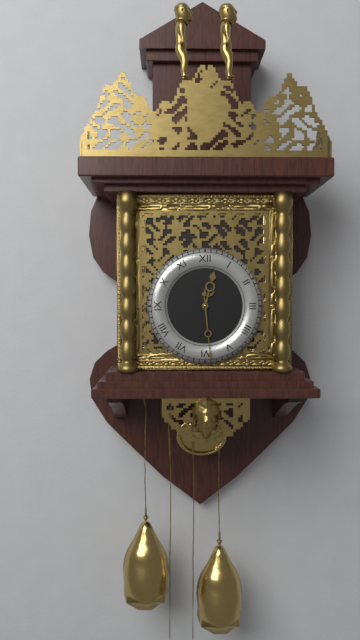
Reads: 12:29
